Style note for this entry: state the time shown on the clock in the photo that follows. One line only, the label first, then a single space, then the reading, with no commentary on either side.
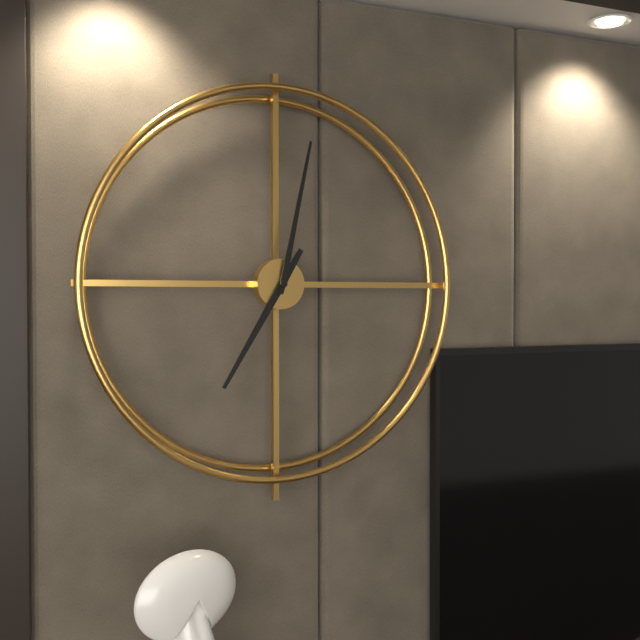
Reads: 7:02
